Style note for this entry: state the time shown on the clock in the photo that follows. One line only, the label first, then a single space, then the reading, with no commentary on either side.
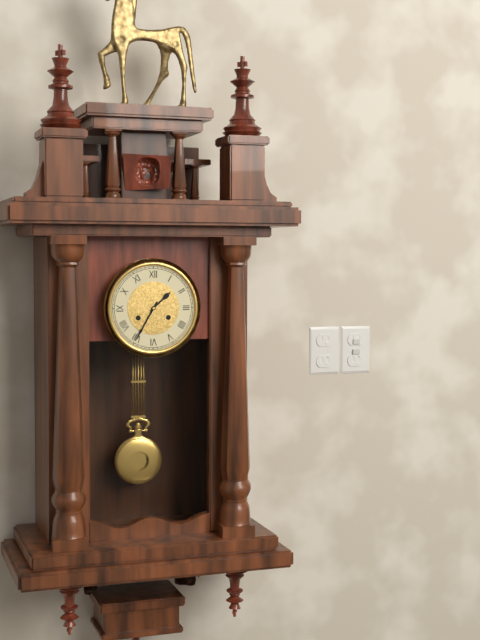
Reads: 1:35
